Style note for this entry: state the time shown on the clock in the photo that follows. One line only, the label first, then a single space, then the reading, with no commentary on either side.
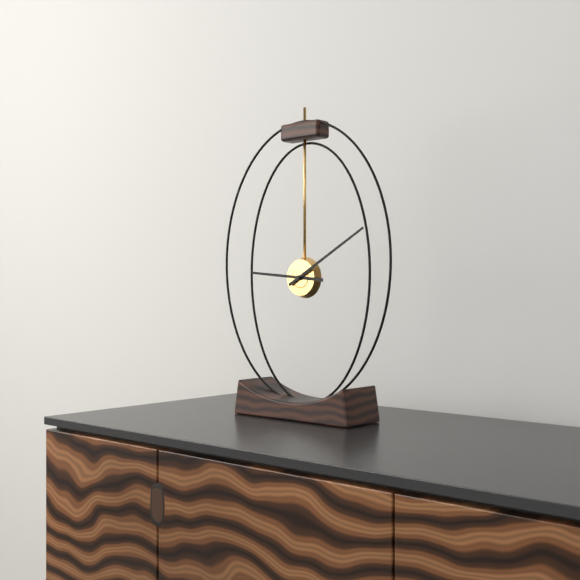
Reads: 9:10
